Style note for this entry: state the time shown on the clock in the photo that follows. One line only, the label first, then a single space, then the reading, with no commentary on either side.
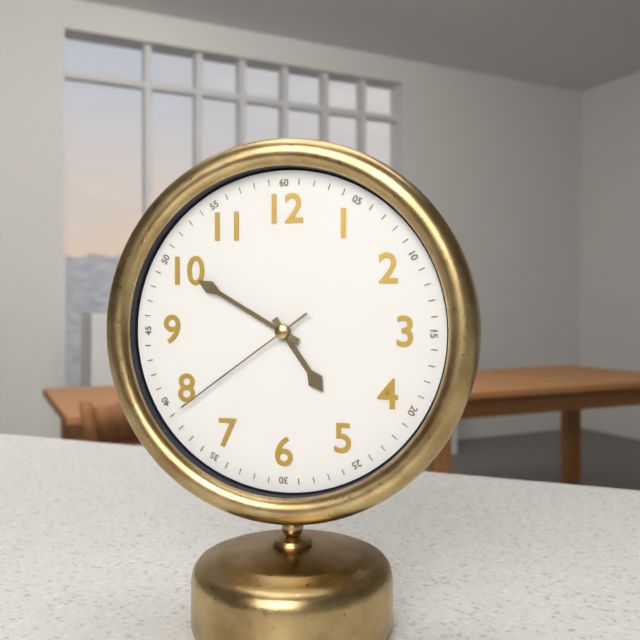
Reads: 4:50:39
